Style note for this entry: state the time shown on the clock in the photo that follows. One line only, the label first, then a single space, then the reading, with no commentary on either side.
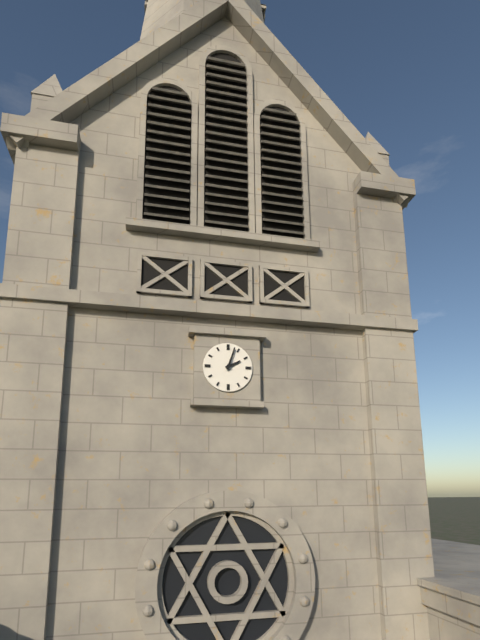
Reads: 2:03
